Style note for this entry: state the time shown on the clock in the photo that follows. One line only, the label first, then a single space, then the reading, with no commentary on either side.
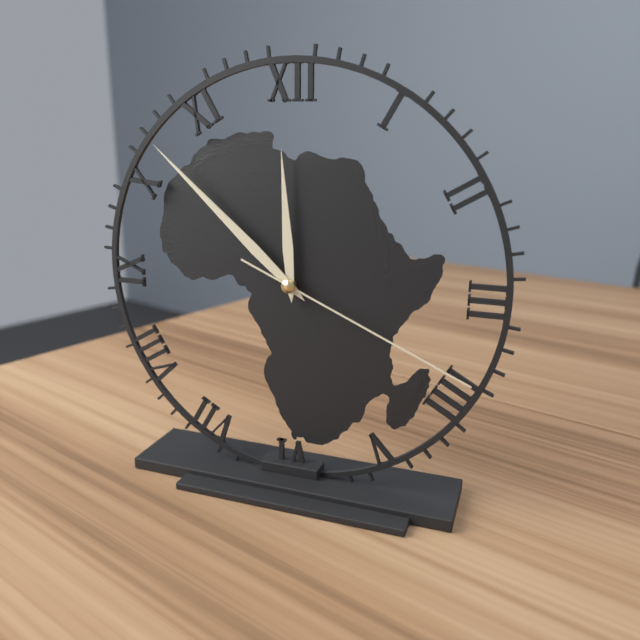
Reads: 11:52:19
